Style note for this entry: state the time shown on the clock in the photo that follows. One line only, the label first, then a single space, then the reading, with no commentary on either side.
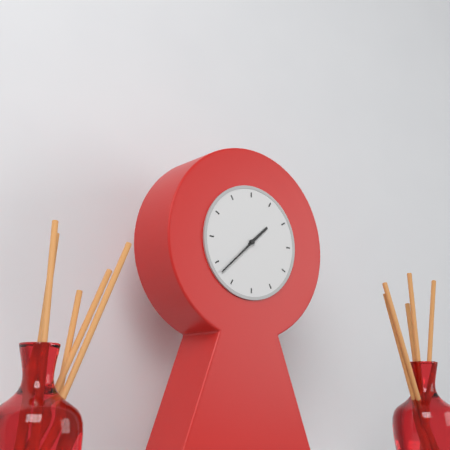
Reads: 1:38
